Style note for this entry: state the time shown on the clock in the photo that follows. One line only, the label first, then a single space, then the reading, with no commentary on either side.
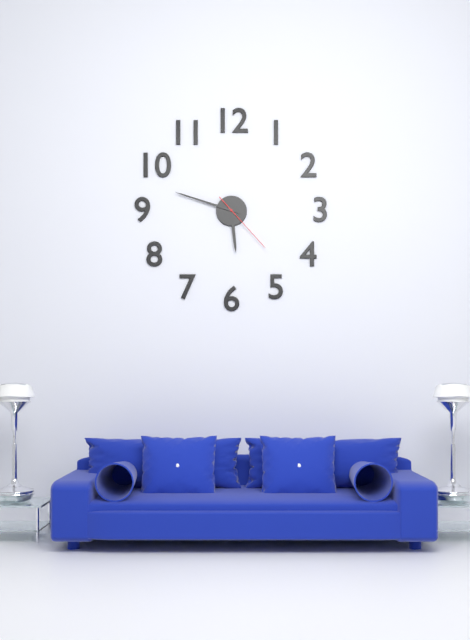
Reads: 5:48:23
